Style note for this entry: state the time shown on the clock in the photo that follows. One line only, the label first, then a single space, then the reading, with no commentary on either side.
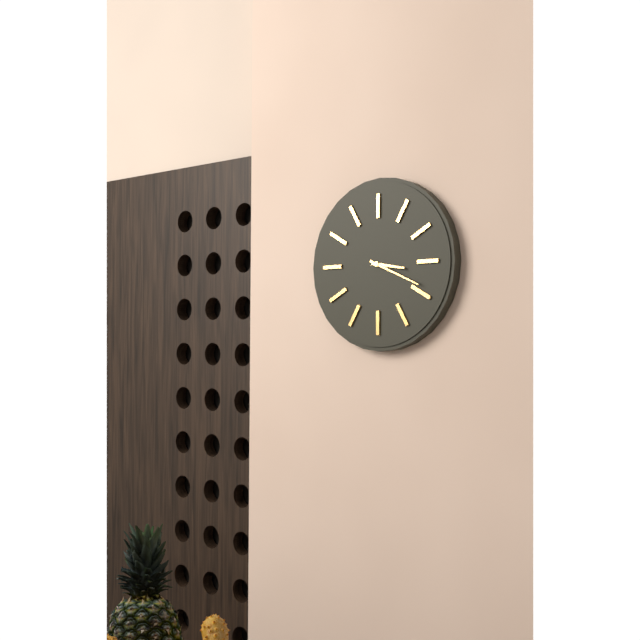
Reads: 3:19
